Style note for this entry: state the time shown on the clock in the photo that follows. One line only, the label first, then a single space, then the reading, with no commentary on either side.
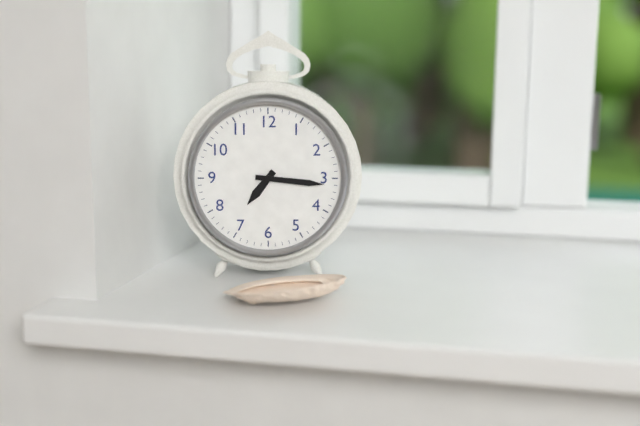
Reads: 7:16
